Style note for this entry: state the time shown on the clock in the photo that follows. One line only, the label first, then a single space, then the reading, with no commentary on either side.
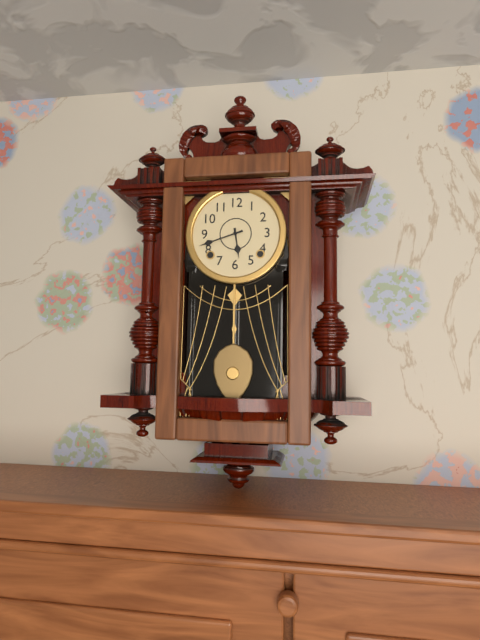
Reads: 5:42
